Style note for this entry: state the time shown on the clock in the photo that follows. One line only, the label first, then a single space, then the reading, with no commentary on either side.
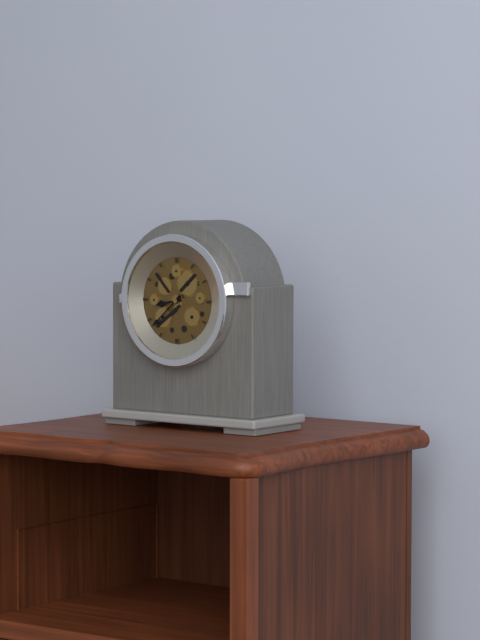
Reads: 8:38
